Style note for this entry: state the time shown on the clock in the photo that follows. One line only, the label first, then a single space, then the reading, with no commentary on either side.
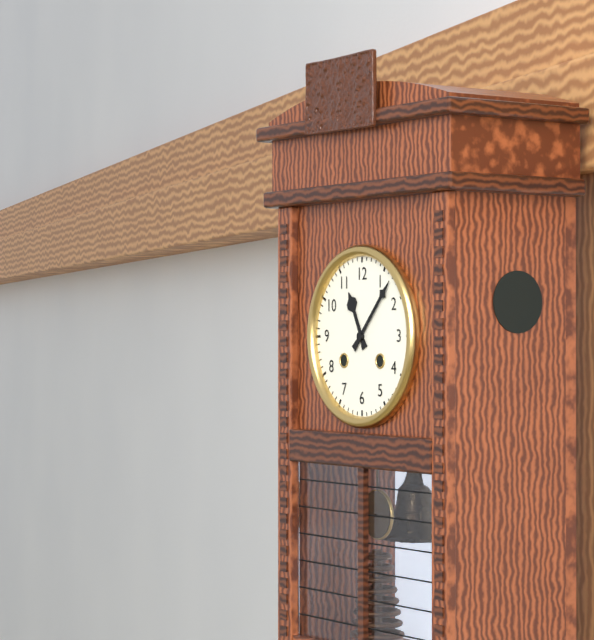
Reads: 11:07
